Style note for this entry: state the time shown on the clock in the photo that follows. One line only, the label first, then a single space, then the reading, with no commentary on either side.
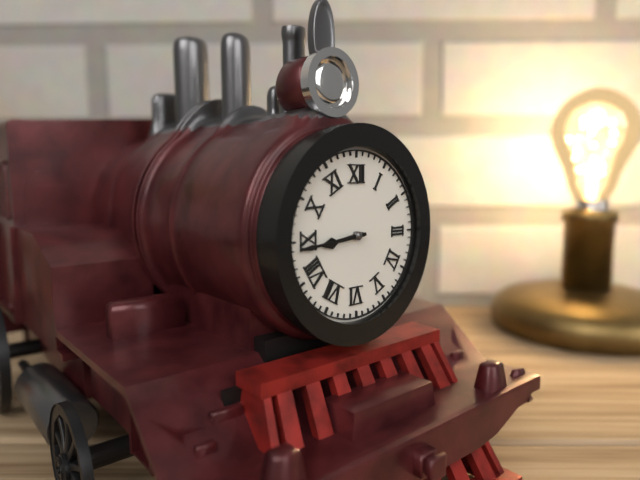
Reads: 8:44
